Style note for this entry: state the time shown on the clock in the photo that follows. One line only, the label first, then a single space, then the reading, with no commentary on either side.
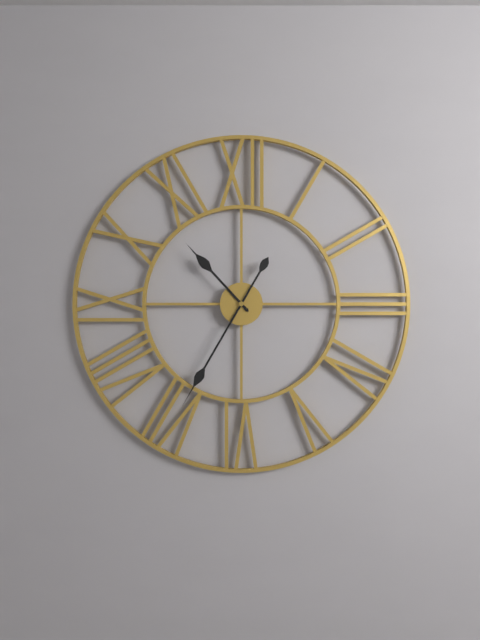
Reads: 10:35
